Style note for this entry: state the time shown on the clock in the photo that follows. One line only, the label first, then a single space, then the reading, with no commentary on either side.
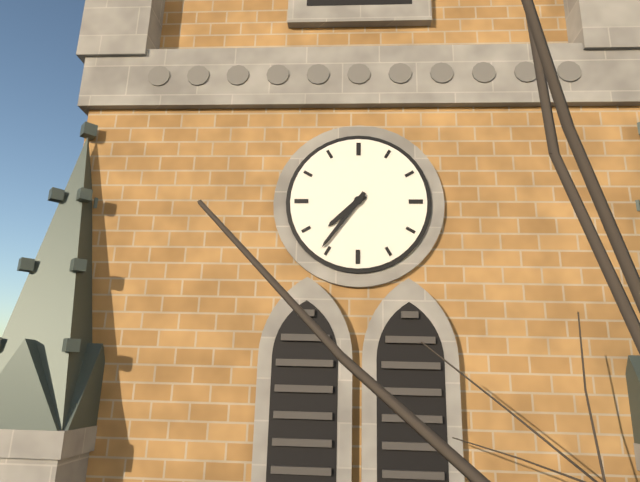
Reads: 7:36
